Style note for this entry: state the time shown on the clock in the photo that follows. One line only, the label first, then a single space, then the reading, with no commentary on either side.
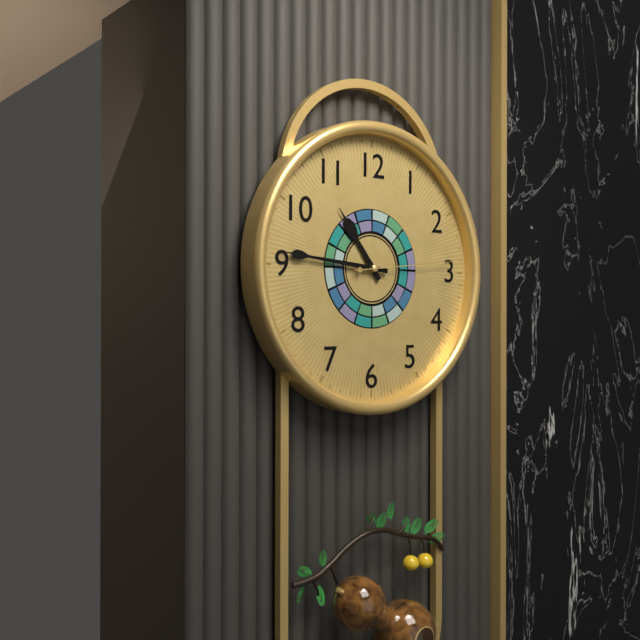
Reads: 10:46:14
